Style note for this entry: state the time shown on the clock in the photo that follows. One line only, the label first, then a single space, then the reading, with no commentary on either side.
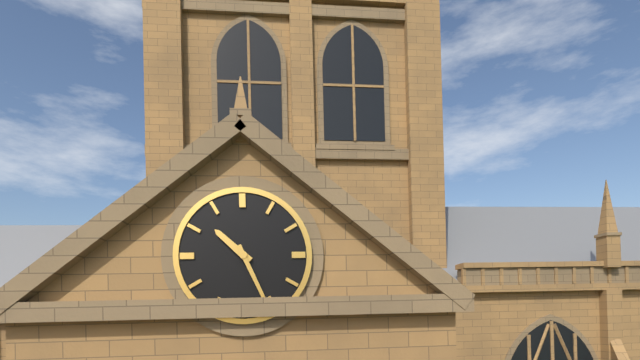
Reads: 10:26
